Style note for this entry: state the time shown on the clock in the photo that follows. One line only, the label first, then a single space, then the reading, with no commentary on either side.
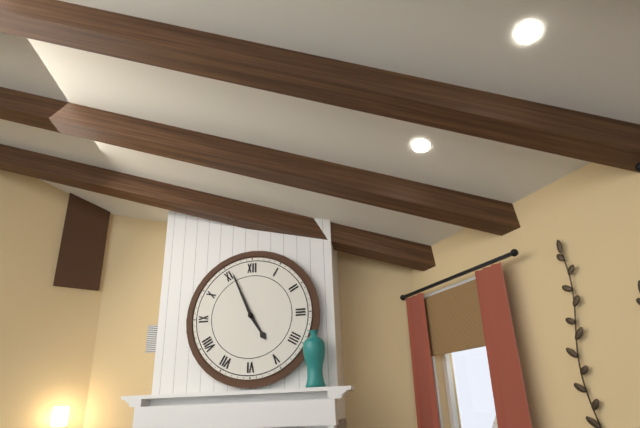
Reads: 4:56
